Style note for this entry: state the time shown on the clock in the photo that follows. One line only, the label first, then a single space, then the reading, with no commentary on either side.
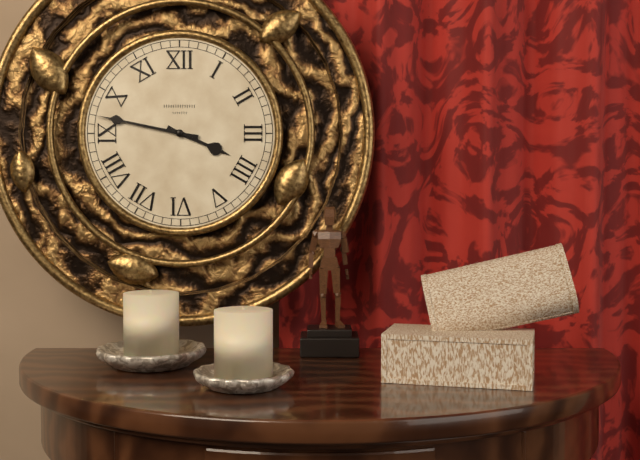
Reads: 3:47
